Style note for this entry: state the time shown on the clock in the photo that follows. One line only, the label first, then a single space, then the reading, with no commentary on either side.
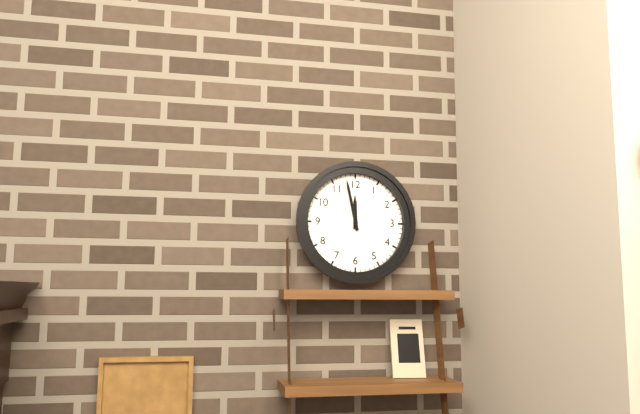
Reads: 11:58
